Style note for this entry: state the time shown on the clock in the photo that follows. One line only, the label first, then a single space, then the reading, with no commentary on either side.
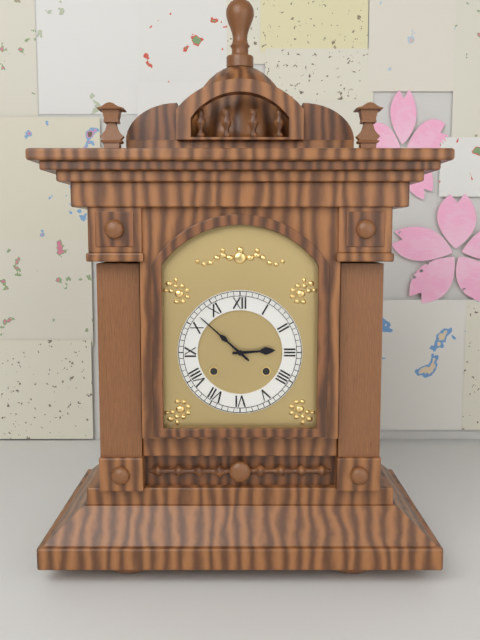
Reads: 2:52
